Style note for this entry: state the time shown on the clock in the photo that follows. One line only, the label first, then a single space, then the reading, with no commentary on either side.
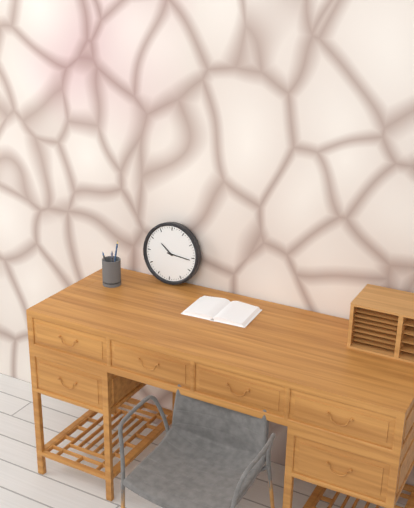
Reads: 10:16
